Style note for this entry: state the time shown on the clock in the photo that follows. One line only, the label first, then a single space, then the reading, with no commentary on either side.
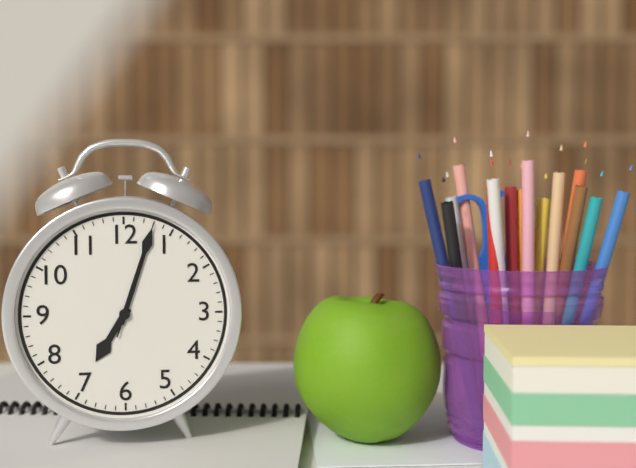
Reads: 7:03:03
